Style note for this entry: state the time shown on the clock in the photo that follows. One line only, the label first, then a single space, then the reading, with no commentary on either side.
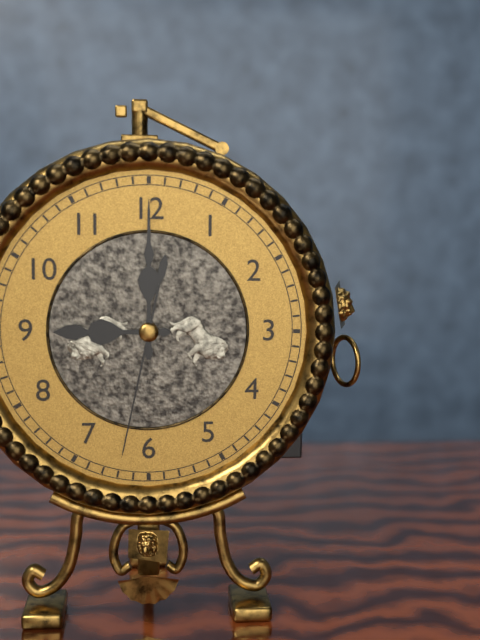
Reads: 9:00:32
